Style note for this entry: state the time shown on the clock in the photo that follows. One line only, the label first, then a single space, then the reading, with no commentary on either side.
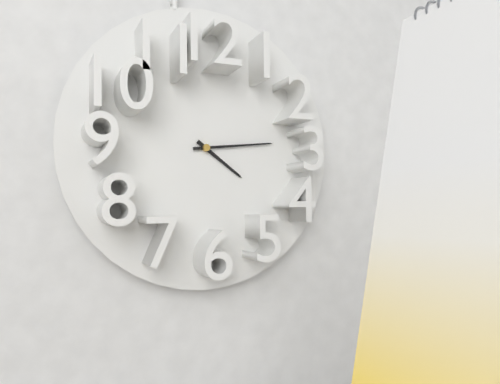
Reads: 4:14
